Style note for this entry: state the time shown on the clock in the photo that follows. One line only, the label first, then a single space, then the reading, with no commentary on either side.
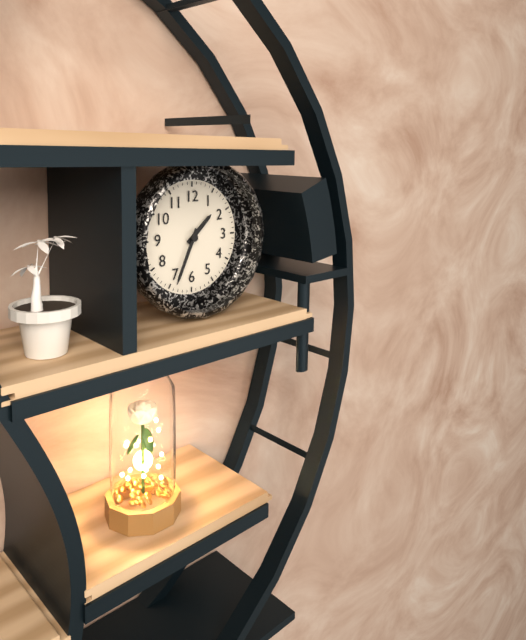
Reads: 1:34
